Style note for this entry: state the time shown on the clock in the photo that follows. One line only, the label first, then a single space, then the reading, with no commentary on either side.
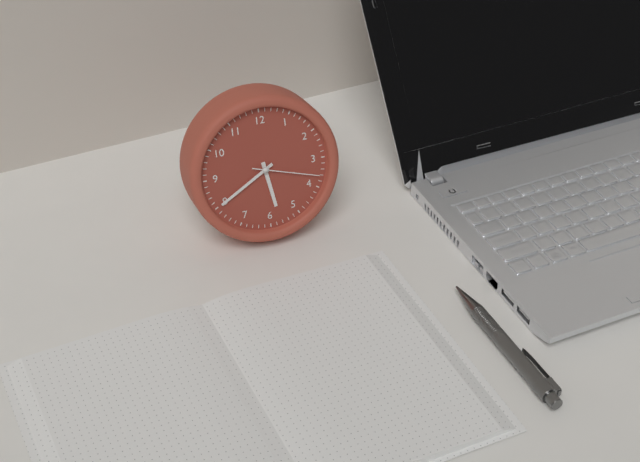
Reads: 5:40:18
